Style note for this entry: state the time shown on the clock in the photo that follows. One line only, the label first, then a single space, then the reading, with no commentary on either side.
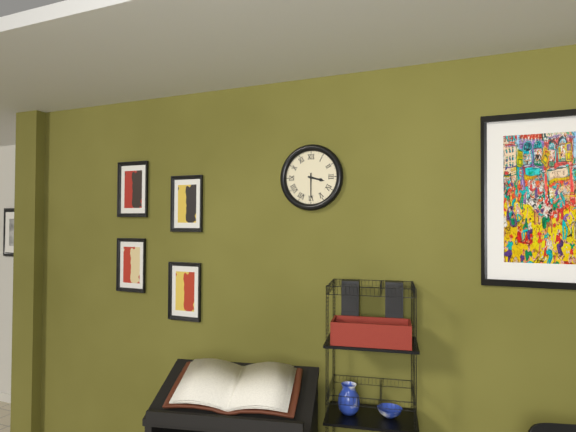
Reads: 3:30
